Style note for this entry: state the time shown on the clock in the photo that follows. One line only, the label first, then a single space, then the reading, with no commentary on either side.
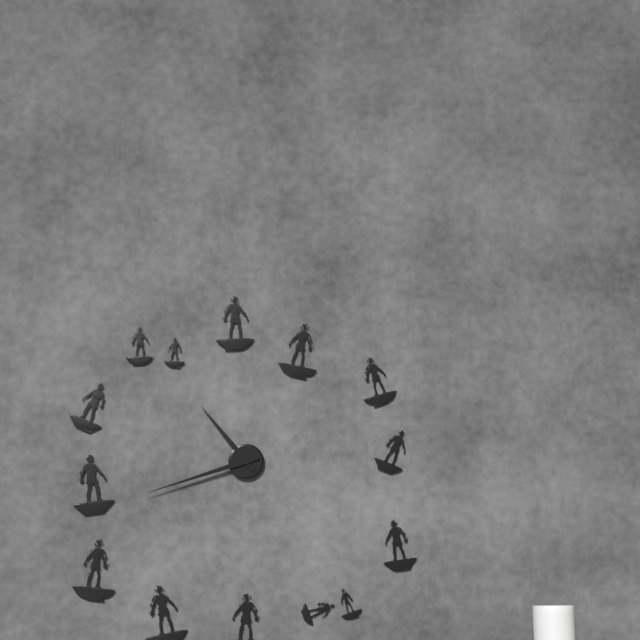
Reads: 10:42
